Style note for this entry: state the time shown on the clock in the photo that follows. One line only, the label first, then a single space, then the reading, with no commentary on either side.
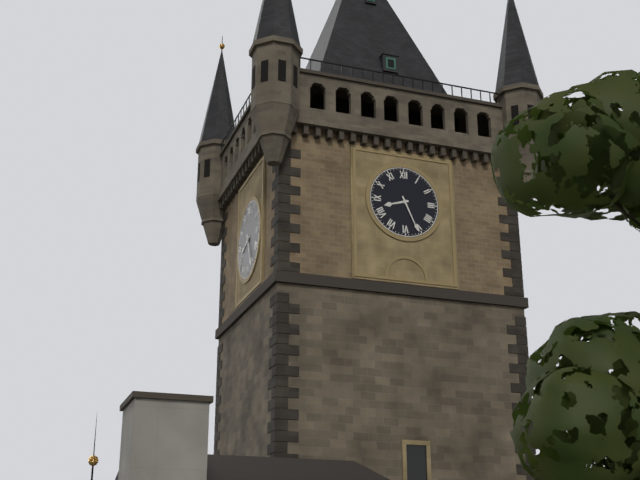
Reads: 8:26
